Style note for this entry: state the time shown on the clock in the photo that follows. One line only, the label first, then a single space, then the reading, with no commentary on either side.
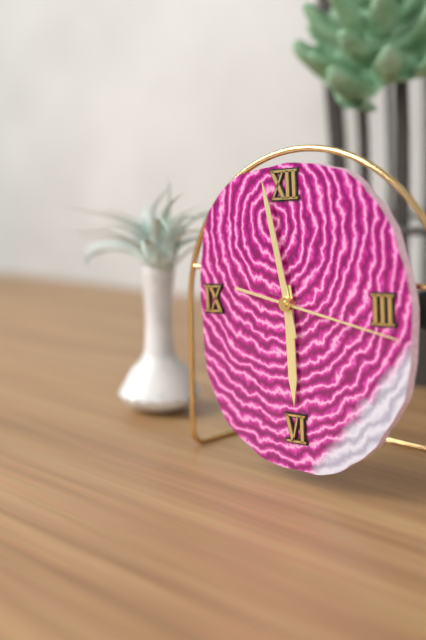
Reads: 5:58:17
